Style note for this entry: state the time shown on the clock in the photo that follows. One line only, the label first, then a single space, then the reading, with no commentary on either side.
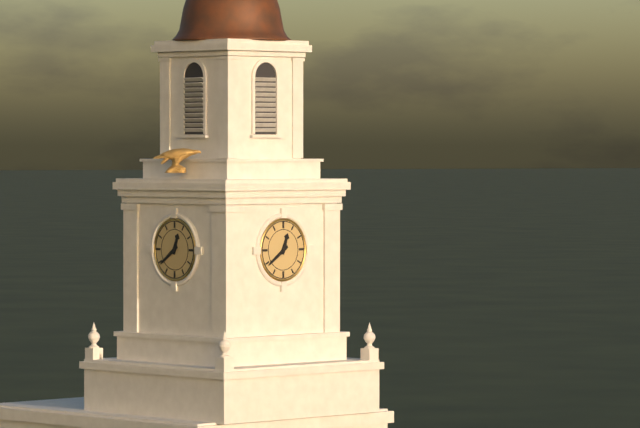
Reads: 12:39
